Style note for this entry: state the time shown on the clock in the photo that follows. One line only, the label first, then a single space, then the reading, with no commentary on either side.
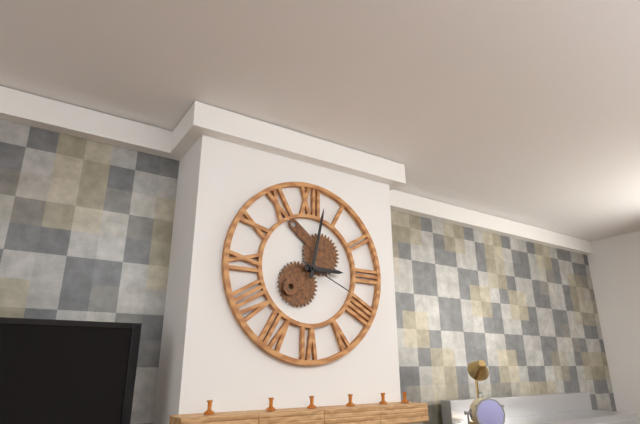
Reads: 3:02:19
